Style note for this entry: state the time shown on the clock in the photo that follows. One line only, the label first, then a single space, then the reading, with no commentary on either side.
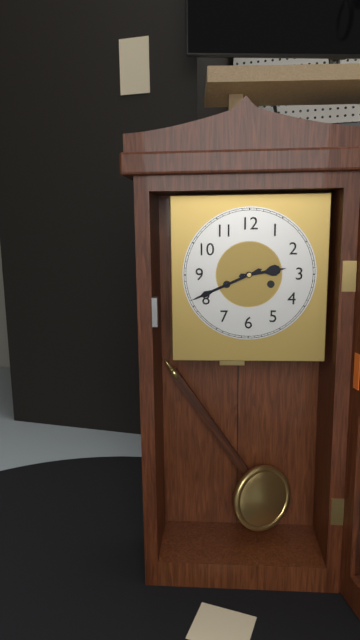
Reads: 2:41
